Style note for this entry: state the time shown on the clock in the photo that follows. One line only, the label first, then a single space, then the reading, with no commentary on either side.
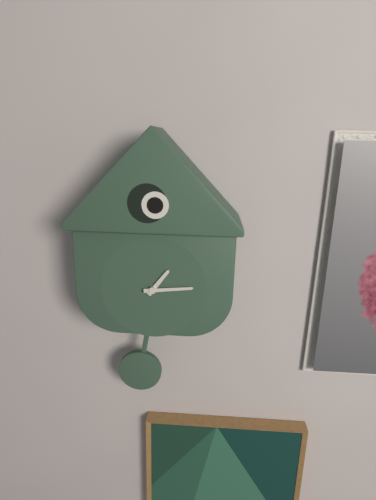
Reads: 1:14
